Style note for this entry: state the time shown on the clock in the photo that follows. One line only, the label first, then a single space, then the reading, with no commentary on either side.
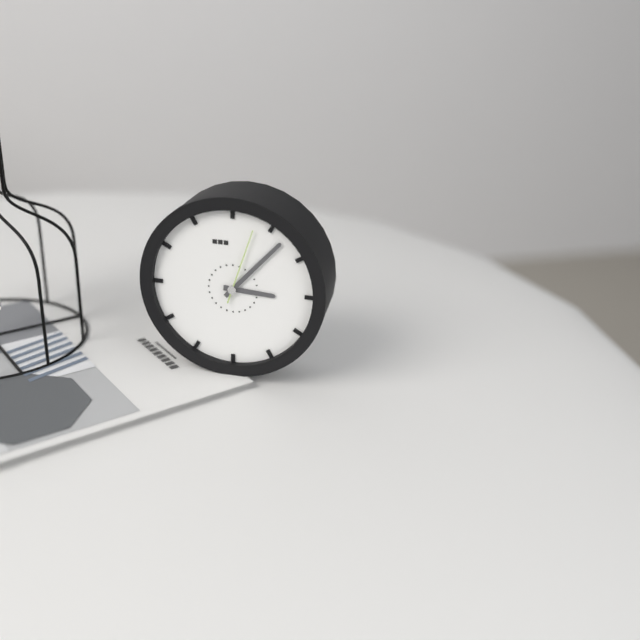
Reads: 3:07:03
